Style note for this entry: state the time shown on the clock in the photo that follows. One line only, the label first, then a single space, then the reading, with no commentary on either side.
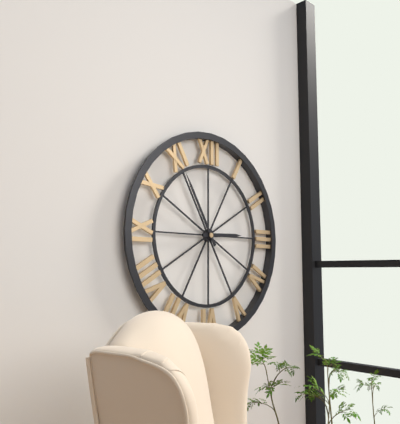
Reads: 2:55
